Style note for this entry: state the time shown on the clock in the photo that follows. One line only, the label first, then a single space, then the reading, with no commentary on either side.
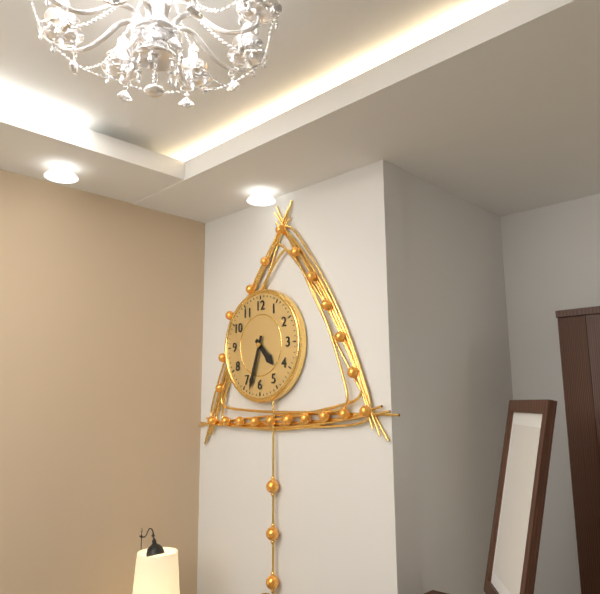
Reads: 4:33
